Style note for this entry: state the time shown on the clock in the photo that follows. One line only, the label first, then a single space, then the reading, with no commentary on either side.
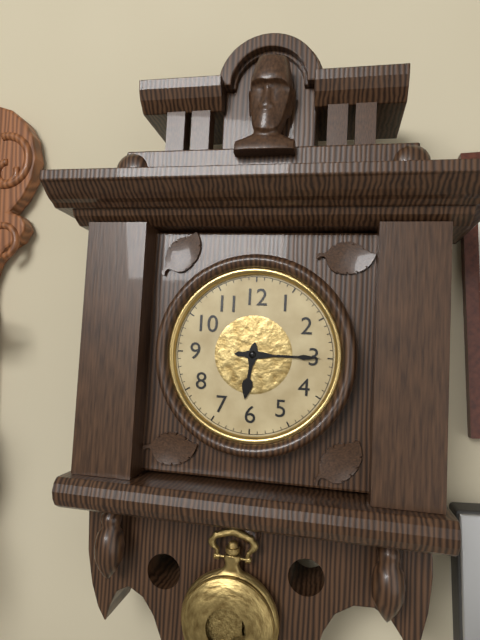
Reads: 6:15
